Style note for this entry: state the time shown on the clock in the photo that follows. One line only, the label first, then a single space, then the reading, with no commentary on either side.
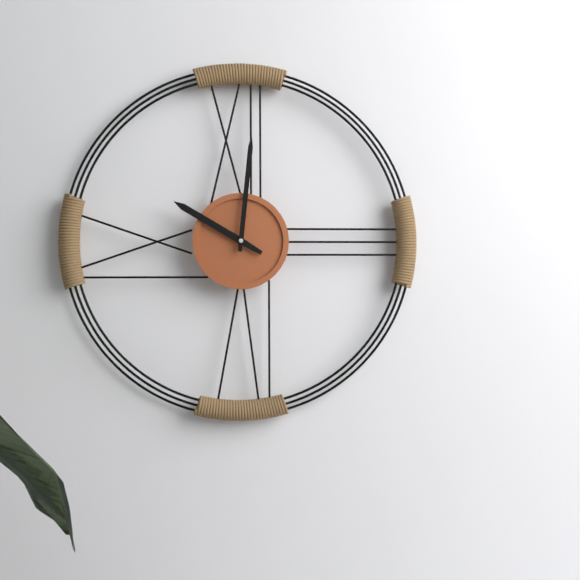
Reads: 10:01
